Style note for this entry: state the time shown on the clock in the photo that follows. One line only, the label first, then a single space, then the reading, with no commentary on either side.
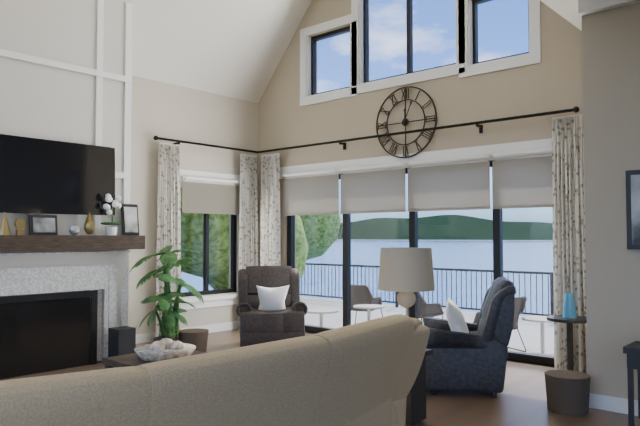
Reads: 12:04
